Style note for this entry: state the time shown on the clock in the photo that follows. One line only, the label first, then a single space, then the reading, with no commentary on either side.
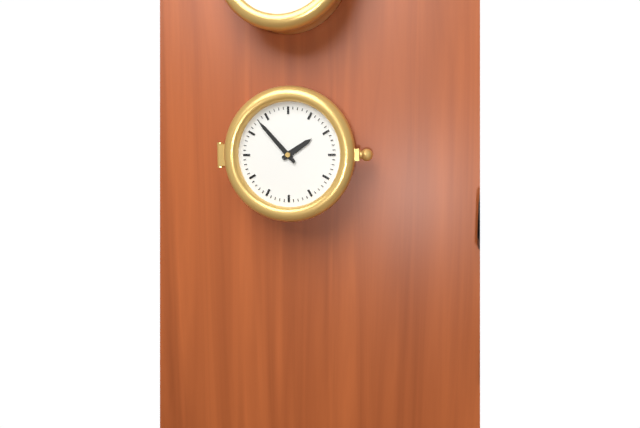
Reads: 1:53
